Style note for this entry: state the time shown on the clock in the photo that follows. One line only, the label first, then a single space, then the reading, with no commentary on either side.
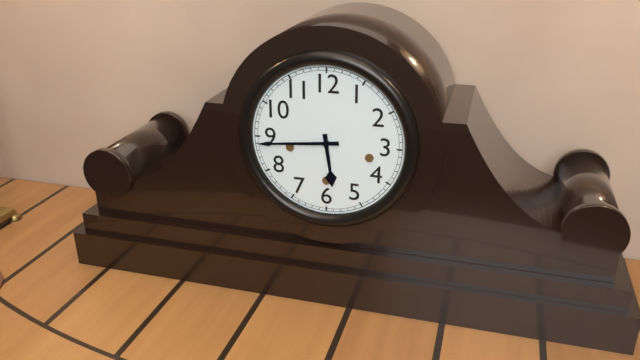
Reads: 5:44
